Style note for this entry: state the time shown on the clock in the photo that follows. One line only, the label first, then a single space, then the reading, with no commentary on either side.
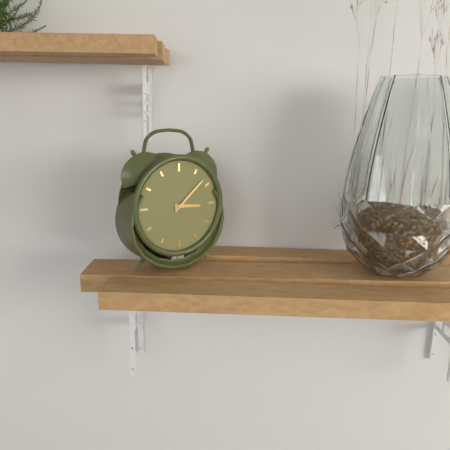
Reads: 3:08
